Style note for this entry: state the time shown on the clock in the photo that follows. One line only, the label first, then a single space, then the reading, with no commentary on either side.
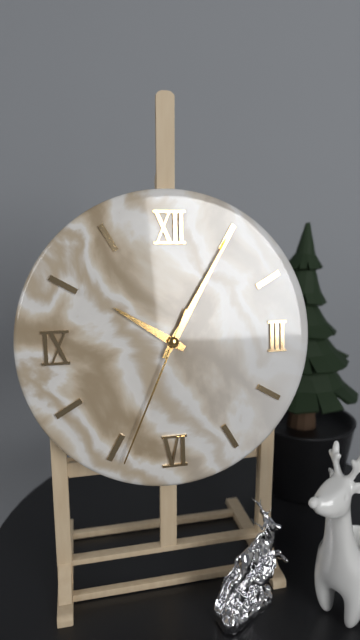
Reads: 10:05:34
